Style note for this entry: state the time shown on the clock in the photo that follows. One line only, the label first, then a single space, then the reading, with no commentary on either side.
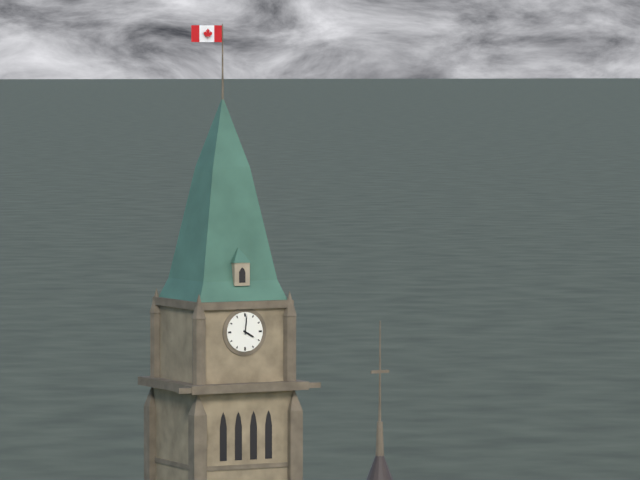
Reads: 4:01
